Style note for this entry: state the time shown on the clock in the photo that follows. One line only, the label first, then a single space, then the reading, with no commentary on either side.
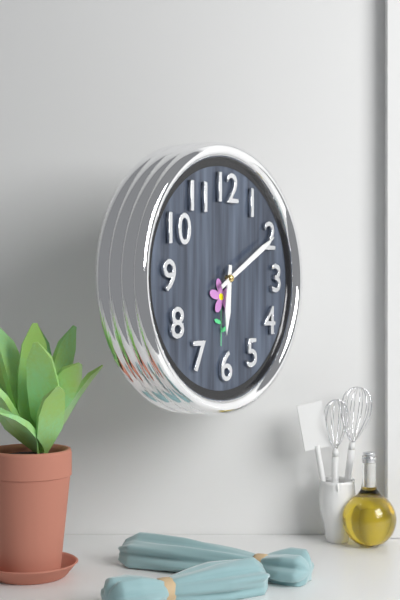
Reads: 6:10
